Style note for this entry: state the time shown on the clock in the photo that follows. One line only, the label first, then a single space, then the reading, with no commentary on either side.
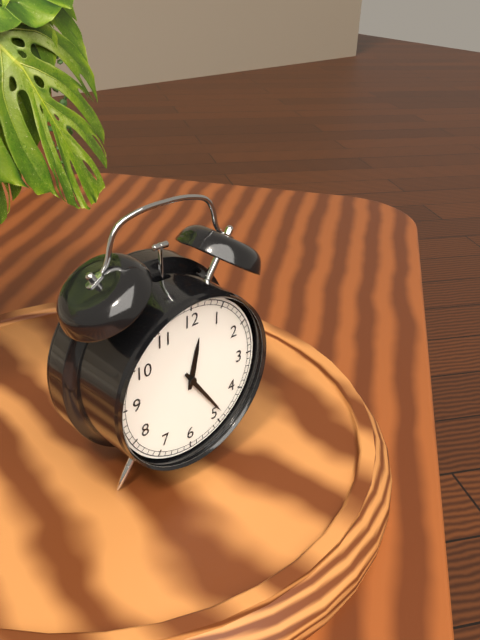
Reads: 12:24
